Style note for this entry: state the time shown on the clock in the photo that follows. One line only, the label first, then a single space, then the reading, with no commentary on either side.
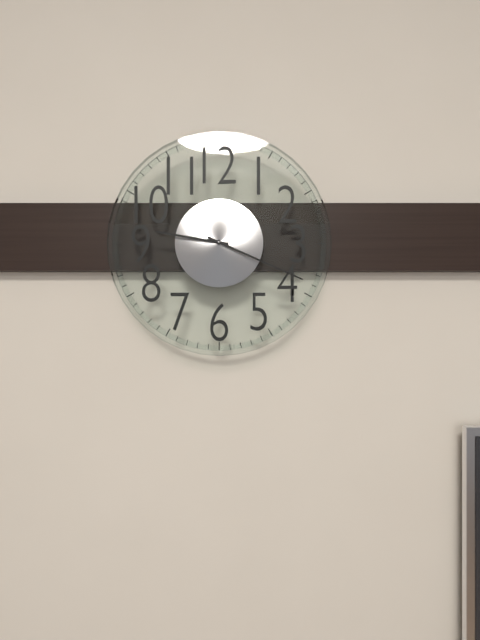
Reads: 9:19
